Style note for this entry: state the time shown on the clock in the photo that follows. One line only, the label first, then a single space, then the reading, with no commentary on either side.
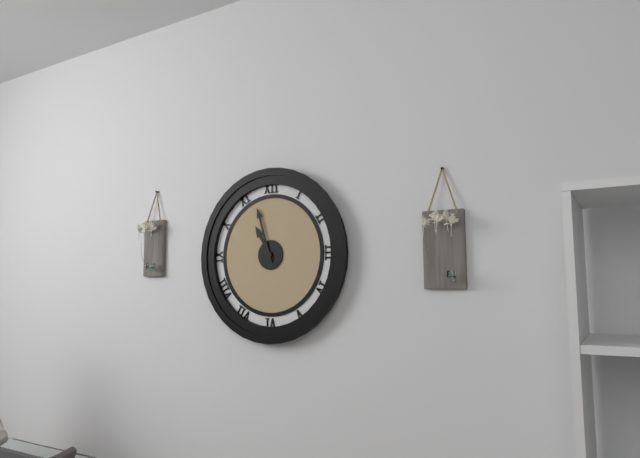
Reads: 10:57
